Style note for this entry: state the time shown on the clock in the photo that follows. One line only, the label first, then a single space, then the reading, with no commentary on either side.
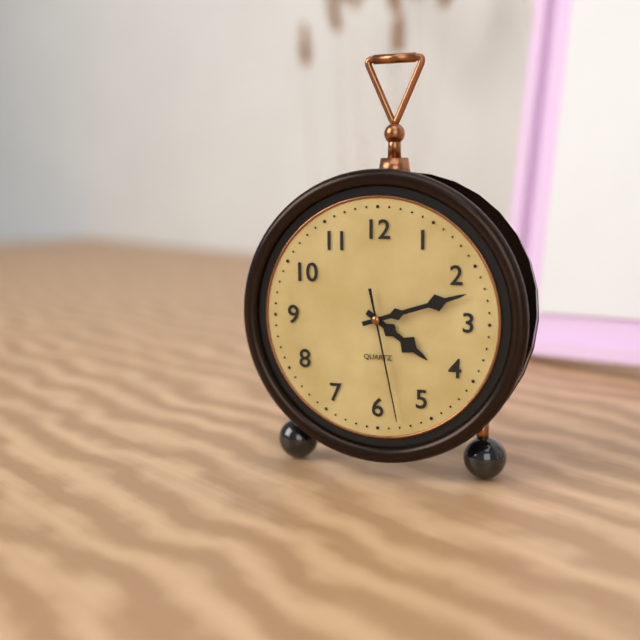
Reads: 4:12:28
